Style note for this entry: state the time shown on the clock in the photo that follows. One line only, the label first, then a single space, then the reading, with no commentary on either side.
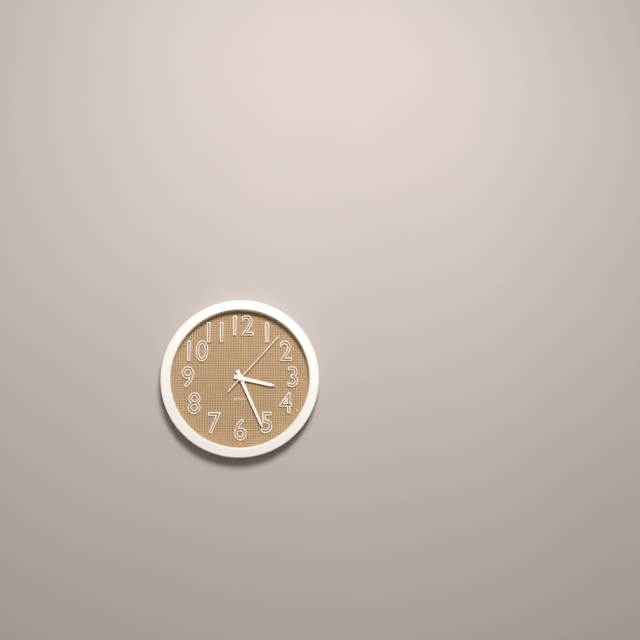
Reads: 3:26:07
